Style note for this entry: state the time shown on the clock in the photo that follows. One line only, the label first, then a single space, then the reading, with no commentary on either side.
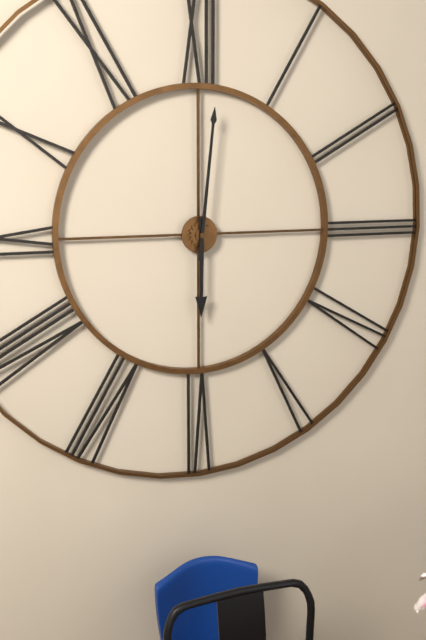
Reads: 6:01
